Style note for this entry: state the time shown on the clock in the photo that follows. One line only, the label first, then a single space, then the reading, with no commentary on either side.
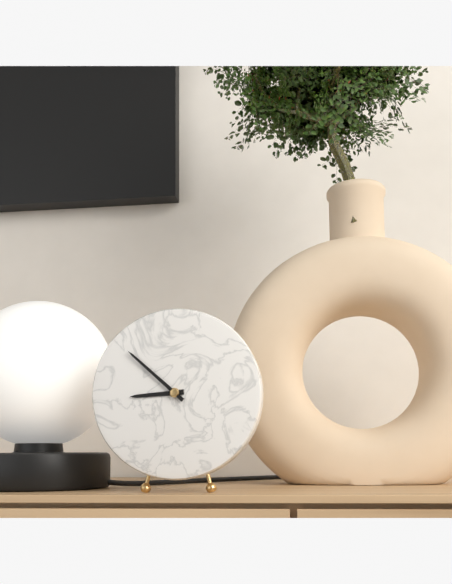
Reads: 8:52
